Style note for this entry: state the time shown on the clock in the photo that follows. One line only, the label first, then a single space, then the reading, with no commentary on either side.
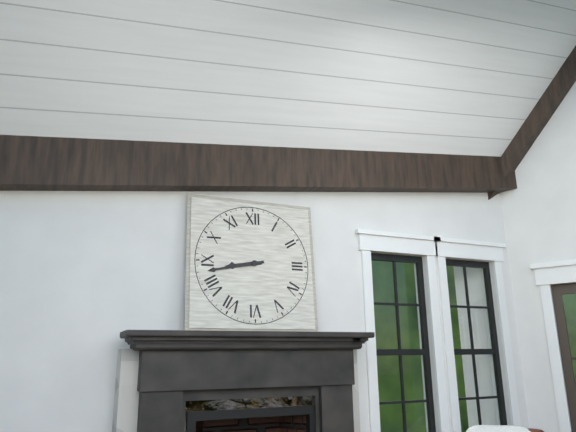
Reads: 8:43
